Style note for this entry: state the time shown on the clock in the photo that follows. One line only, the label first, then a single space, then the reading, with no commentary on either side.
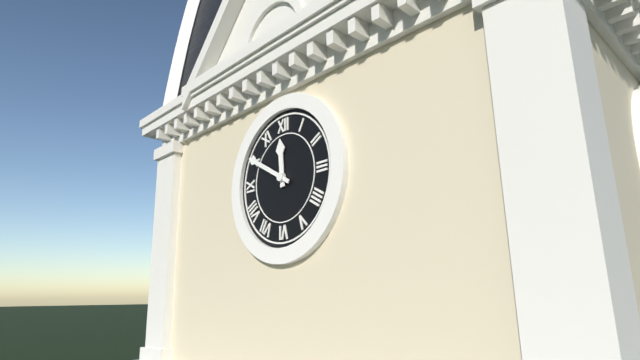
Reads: 11:50
